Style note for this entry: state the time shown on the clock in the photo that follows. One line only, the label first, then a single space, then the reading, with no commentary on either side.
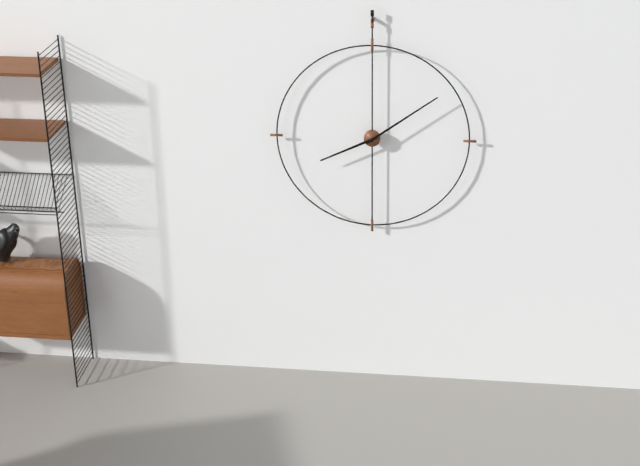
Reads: 8:09
